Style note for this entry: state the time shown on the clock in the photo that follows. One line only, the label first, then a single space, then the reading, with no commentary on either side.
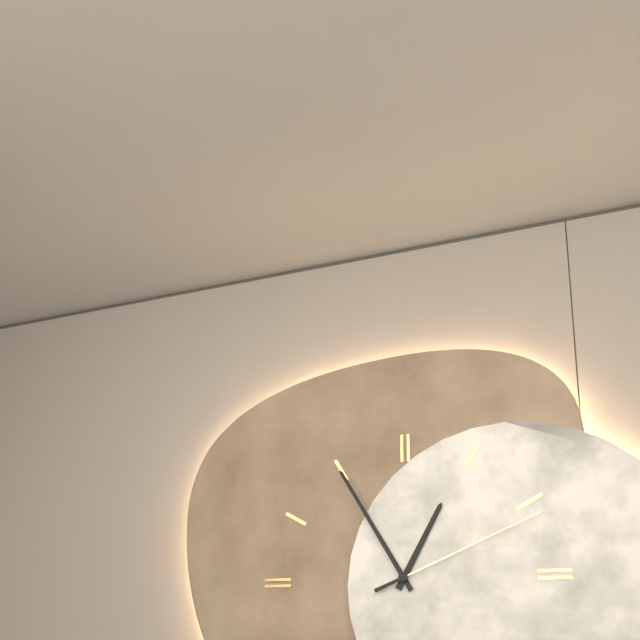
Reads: 12:55:11
